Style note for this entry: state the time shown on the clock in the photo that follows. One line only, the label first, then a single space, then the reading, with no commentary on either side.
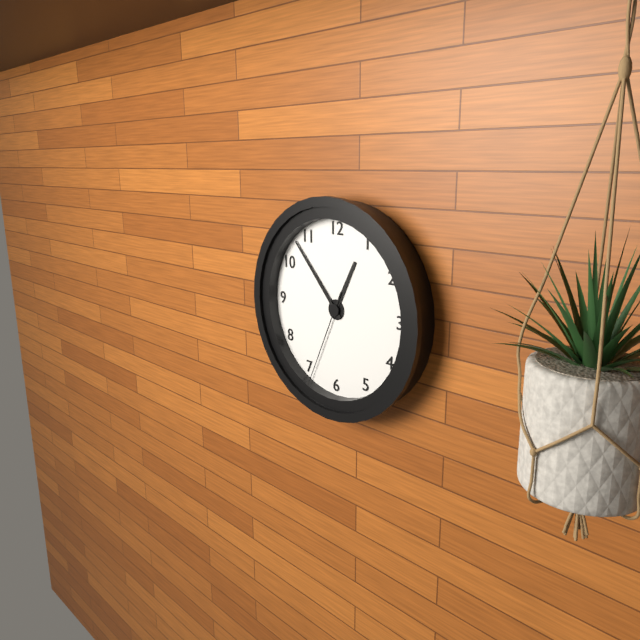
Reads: 12:53:34
